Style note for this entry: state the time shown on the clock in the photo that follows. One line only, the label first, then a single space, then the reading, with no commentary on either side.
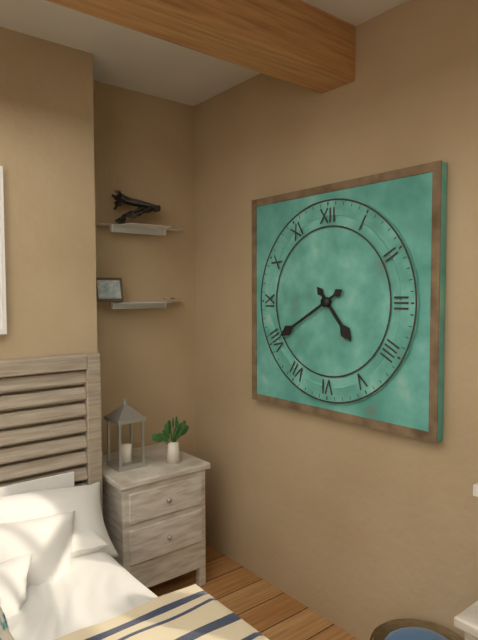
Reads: 4:40
